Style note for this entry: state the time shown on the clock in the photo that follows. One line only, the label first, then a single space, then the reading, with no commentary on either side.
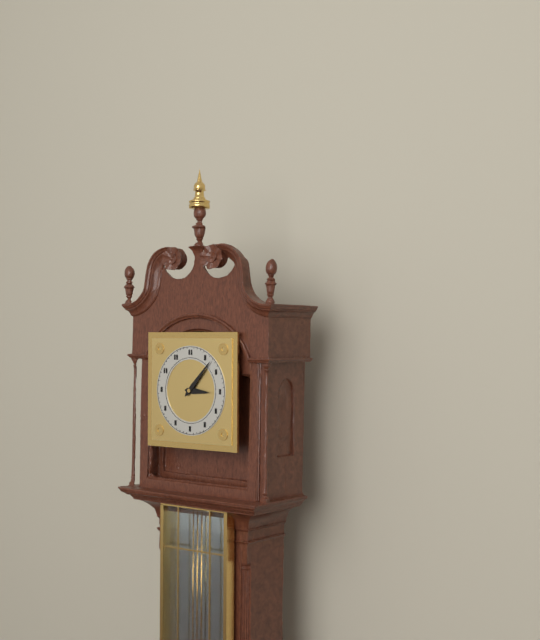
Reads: 3:07
